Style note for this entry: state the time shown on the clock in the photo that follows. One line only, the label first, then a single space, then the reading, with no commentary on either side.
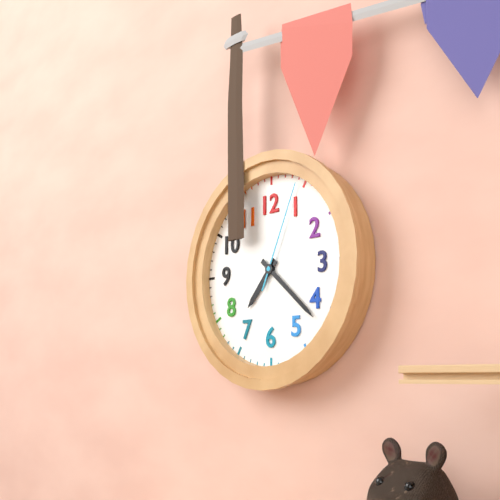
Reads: 7:22:04
